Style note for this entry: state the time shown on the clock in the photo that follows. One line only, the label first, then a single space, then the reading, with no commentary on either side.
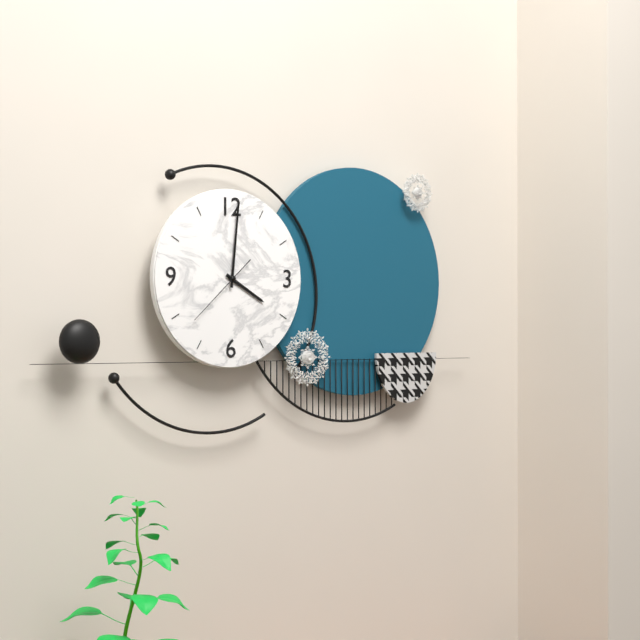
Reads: 4:01:38
